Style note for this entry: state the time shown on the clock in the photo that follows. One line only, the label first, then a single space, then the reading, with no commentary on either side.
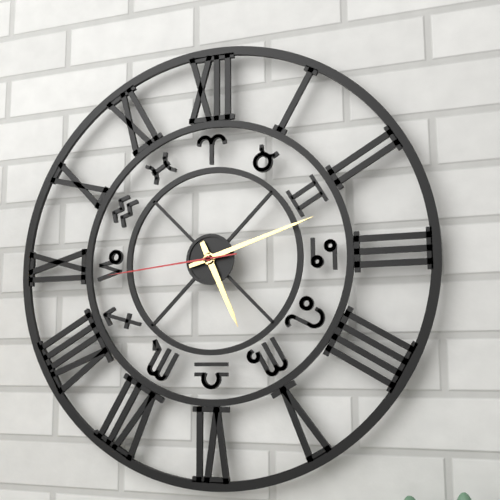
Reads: 5:12:44
